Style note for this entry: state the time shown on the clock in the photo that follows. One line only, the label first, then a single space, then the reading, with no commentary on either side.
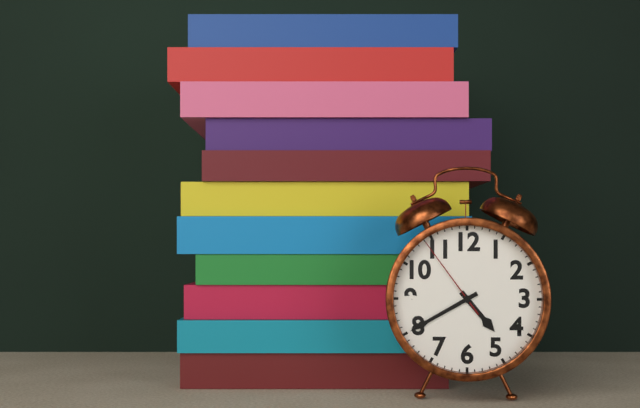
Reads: 4:40:54
